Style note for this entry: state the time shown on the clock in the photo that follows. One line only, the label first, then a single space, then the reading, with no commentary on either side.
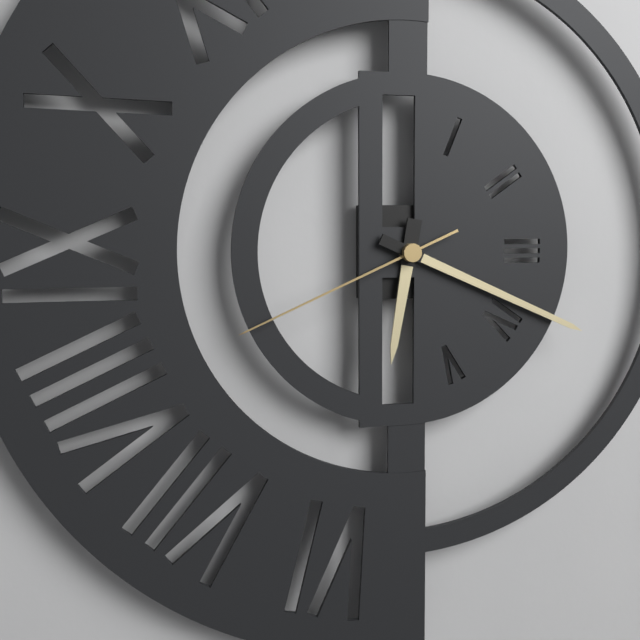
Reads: 6:19:41
